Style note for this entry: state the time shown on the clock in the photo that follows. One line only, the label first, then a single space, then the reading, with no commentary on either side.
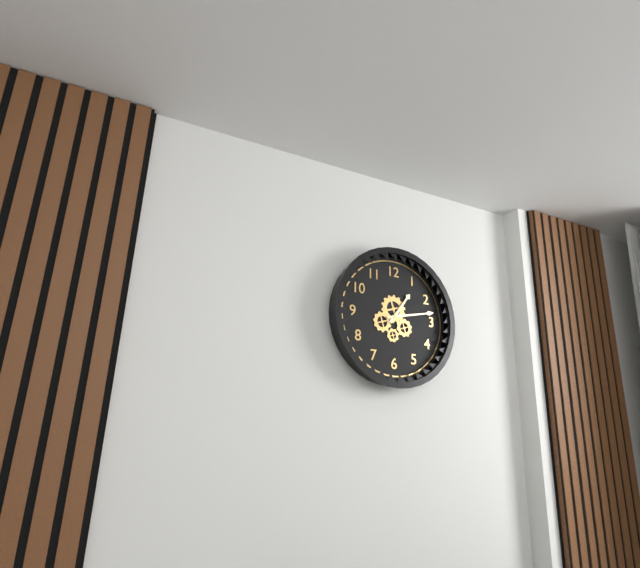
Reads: 1:13
